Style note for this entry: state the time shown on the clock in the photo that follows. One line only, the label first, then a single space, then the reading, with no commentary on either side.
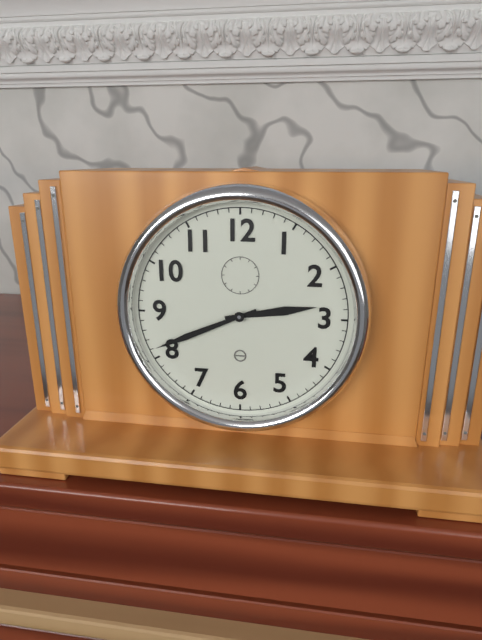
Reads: 2:41
